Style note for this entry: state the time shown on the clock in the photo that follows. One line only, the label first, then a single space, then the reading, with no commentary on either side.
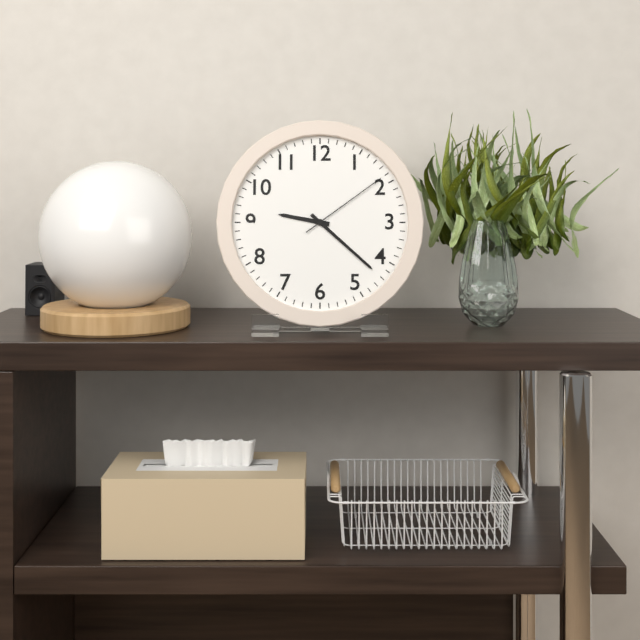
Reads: 9:22:09
